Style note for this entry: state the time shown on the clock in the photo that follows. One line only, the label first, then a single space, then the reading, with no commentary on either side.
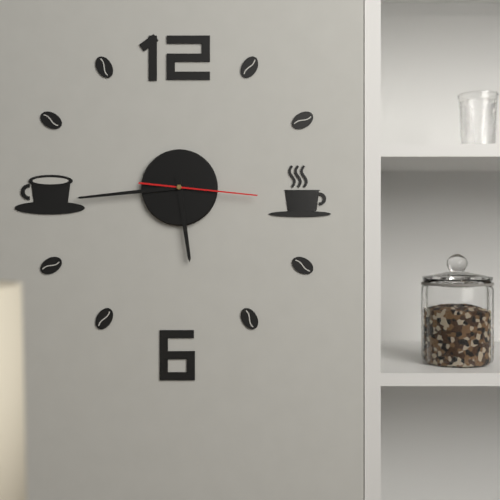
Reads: 5:44:16
